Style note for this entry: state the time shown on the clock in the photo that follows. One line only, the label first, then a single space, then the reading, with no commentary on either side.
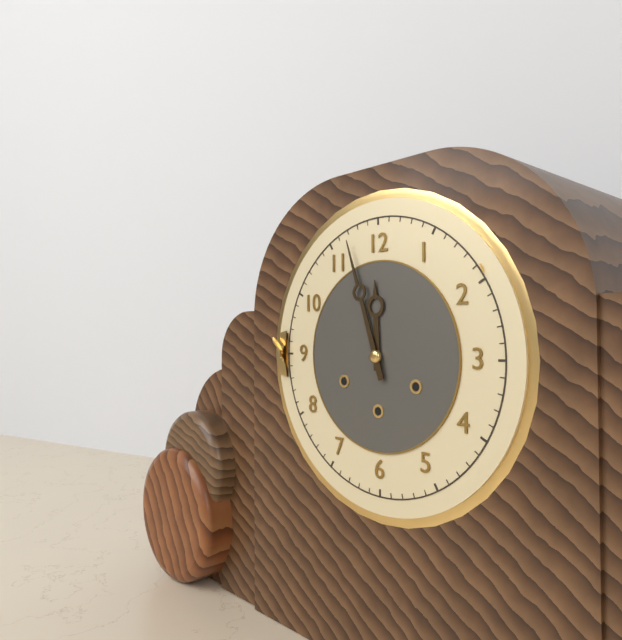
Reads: 11:57
